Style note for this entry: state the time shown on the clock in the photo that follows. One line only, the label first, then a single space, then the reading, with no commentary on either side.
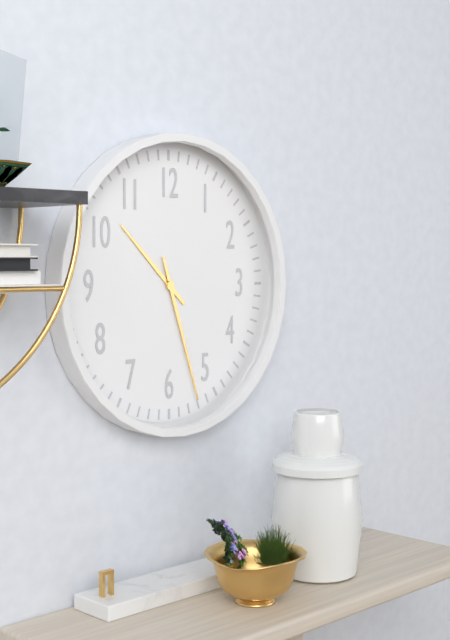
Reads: 10:27
